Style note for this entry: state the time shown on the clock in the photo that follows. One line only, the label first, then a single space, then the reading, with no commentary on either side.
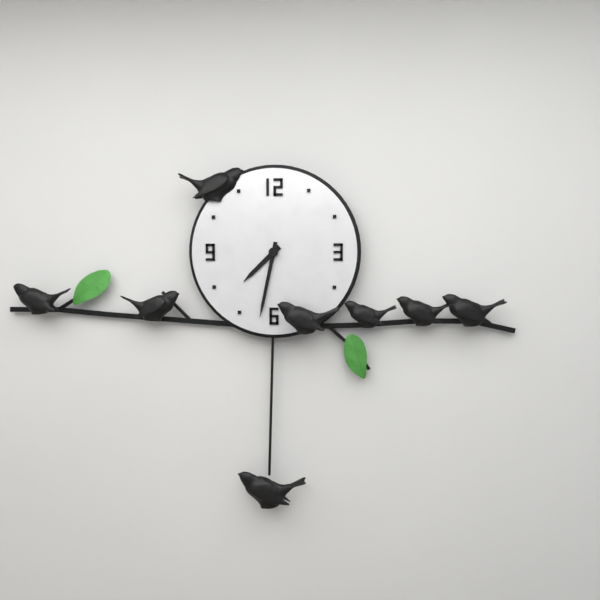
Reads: 7:32
